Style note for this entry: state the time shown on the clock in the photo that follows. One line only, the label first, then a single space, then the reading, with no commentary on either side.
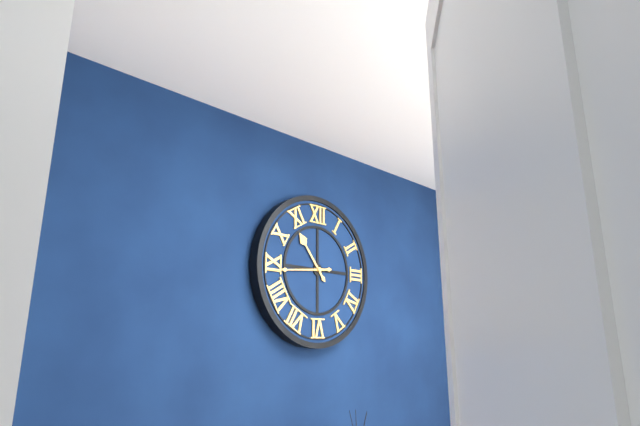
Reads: 10:44
